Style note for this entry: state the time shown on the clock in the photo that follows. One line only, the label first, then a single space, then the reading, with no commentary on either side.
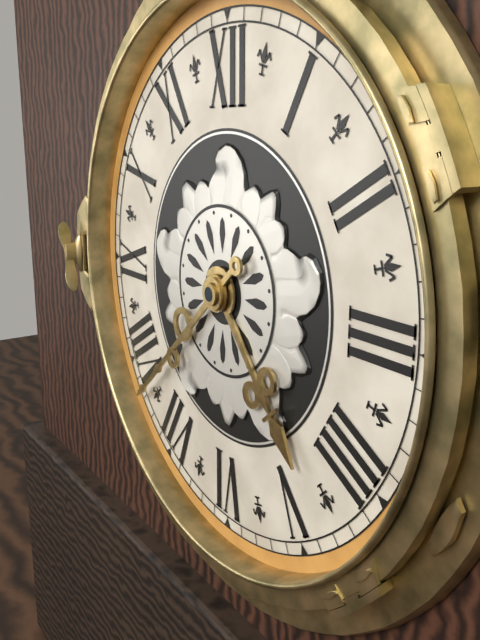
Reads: 4:38
